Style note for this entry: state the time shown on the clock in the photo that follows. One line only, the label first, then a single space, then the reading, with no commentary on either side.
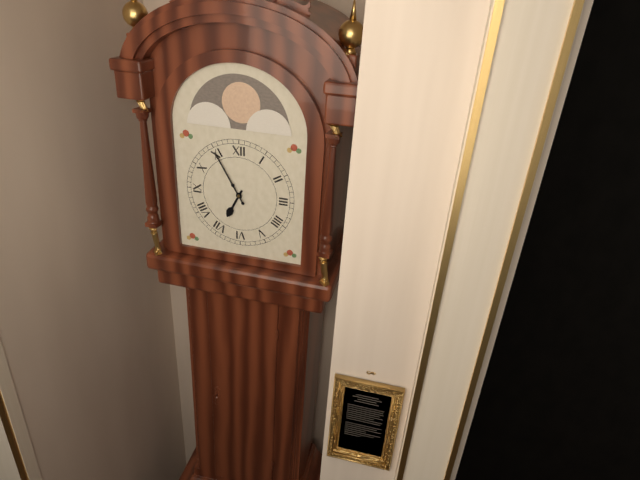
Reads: 6:55
